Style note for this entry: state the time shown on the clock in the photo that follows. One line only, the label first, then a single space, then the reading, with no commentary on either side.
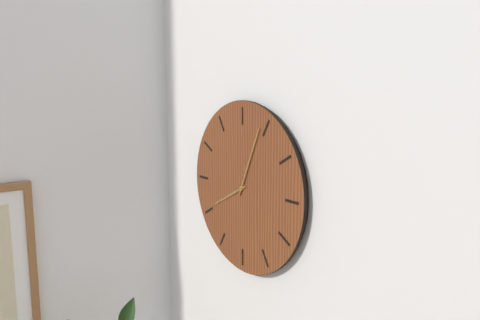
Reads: 8:04
